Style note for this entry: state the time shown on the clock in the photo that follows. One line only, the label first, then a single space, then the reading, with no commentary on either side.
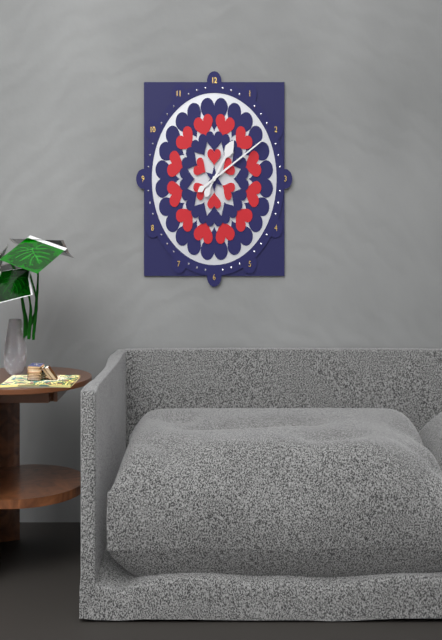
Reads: 1:10
